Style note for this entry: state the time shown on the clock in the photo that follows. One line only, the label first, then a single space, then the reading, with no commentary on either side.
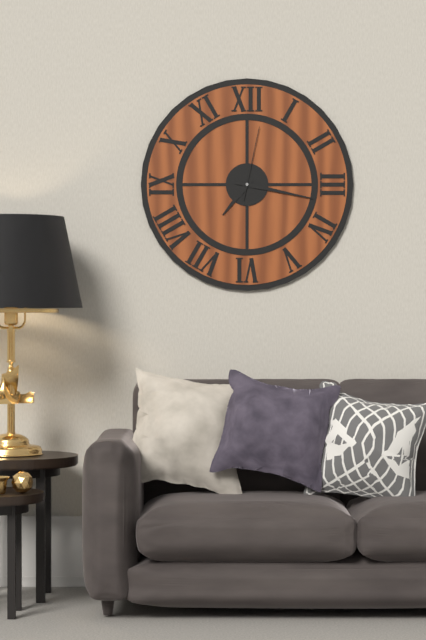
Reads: 7:17:02
